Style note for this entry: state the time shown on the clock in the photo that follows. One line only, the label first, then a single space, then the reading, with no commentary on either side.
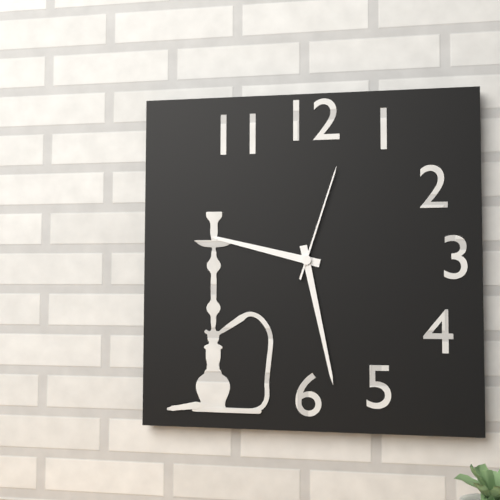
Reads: 9:28:03
